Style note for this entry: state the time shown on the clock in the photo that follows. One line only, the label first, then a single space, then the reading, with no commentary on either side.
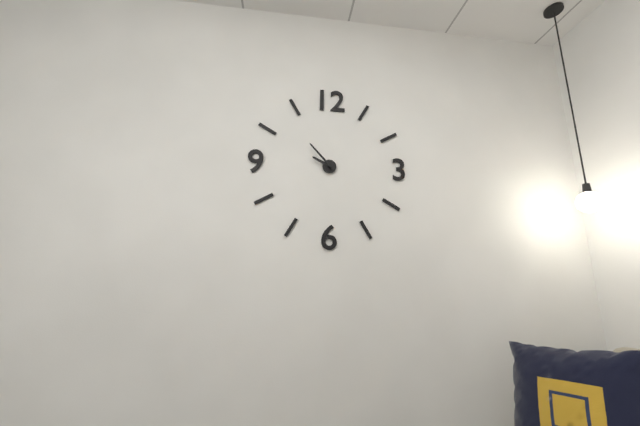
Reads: 9:53
